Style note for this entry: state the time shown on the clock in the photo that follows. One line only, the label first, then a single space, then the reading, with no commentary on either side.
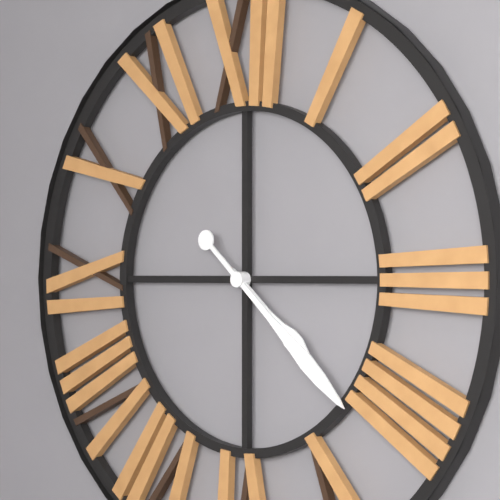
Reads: 4:22
